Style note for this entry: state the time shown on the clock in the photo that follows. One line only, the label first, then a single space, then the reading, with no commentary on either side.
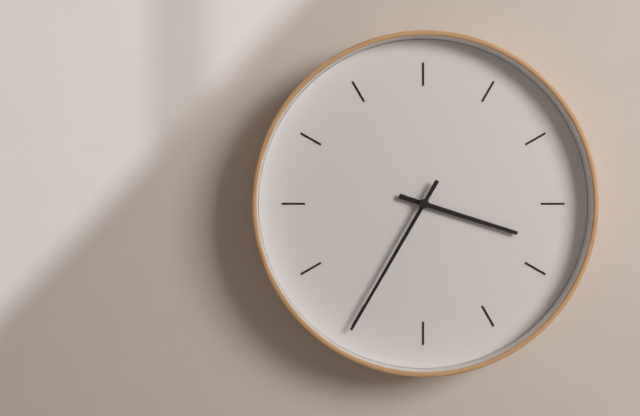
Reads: 3:35
